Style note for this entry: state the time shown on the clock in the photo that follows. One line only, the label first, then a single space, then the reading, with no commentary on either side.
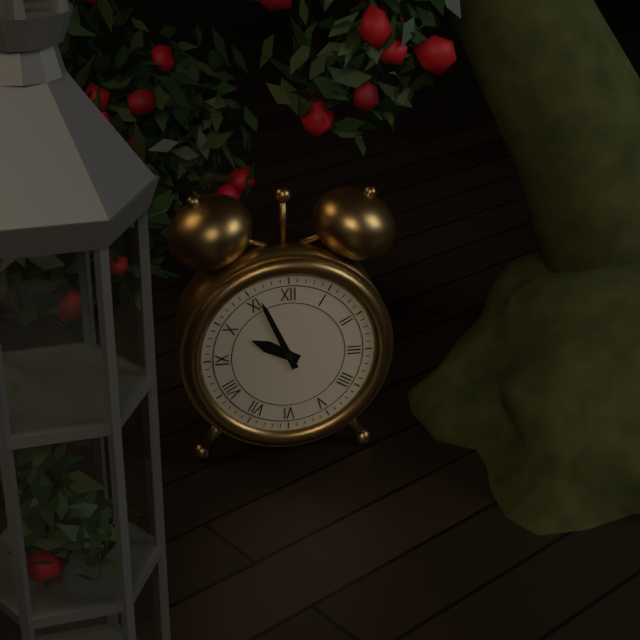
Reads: 9:56
